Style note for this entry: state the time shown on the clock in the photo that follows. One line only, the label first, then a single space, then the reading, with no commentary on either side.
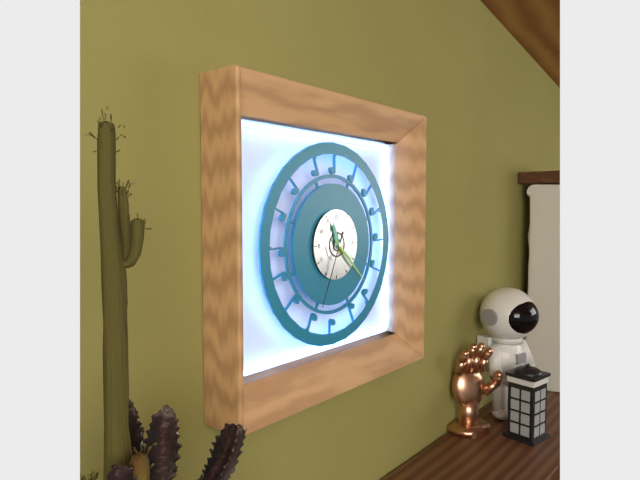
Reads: 11:22:34
